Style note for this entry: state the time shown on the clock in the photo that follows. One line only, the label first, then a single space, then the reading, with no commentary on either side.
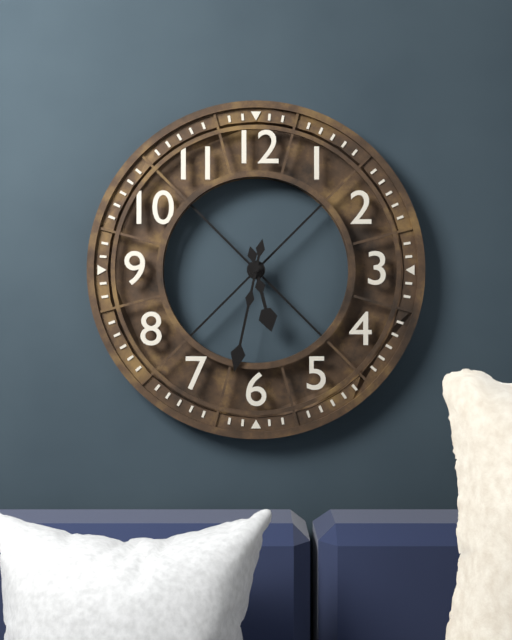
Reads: 5:32
